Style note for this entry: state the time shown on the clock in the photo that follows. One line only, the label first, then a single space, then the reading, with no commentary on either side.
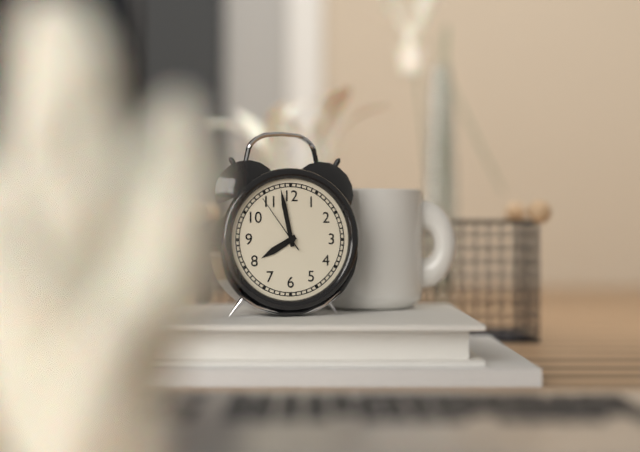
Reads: 7:58:54
